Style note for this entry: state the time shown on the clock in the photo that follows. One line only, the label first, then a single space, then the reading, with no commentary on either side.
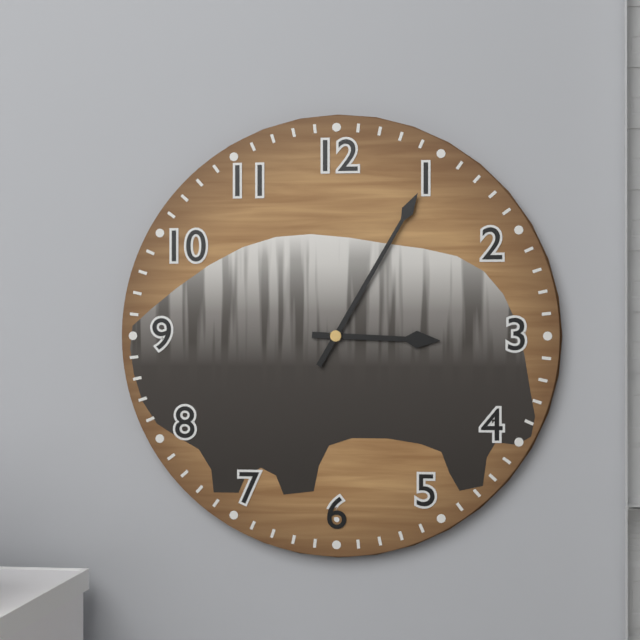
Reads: 3:05
